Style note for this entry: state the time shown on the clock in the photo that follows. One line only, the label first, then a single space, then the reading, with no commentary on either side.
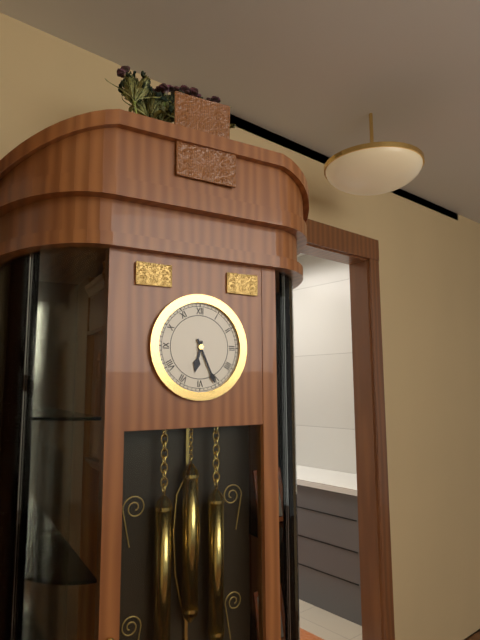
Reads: 6:26
